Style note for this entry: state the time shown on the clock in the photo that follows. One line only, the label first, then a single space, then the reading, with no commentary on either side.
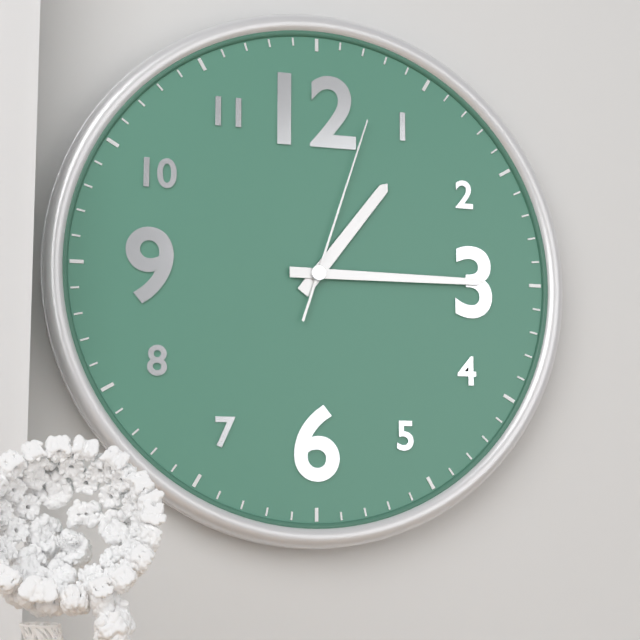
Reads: 1:15:03
